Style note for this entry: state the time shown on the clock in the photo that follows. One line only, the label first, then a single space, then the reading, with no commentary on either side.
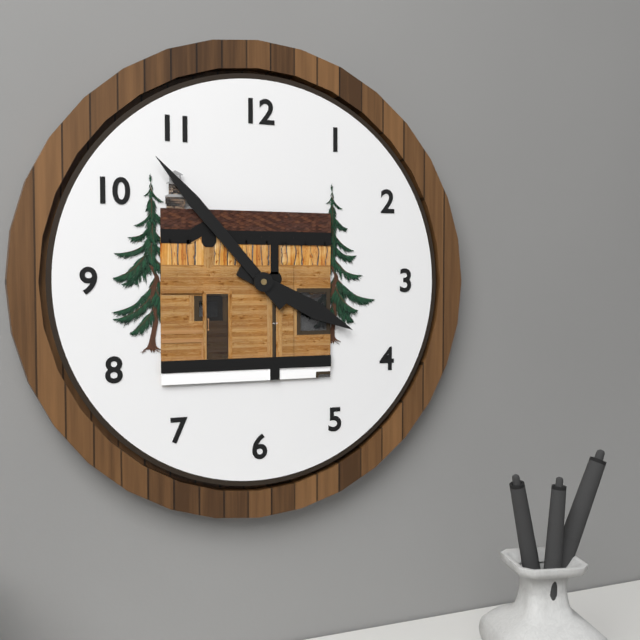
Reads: 3:53
